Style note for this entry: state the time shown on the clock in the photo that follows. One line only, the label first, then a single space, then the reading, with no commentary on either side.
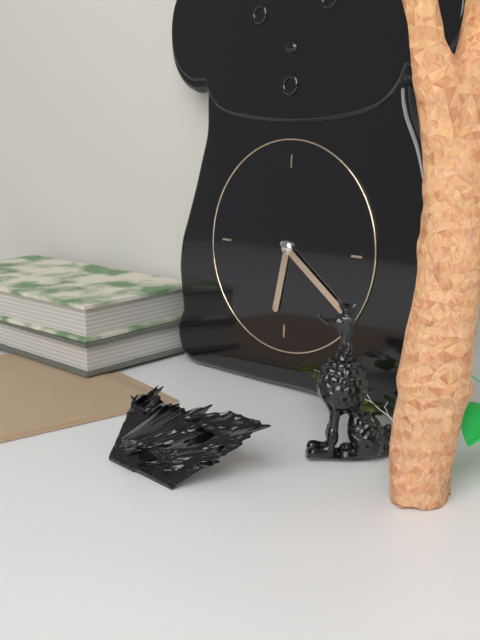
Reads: 6:21
